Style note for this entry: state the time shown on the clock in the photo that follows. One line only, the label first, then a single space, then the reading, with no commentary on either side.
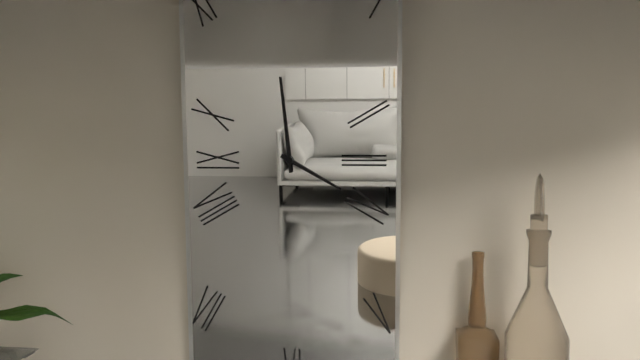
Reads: 3:59
